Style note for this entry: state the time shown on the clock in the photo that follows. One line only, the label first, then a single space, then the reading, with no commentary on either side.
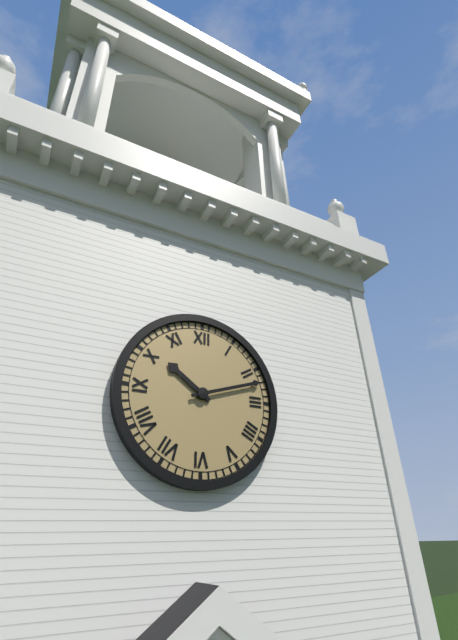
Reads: 10:12
